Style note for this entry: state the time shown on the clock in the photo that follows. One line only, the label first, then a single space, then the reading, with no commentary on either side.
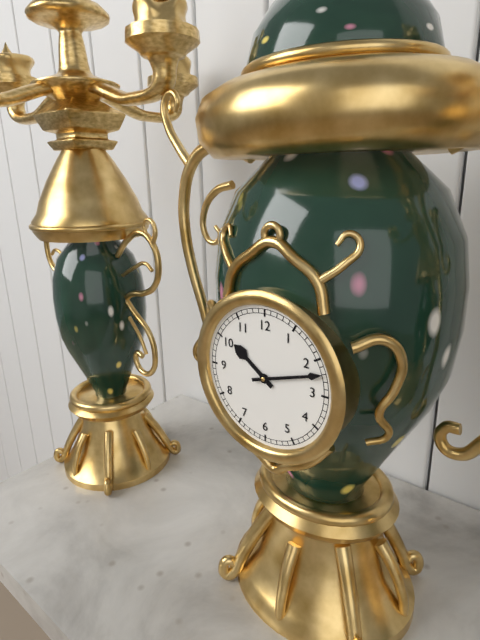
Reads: 10:12
